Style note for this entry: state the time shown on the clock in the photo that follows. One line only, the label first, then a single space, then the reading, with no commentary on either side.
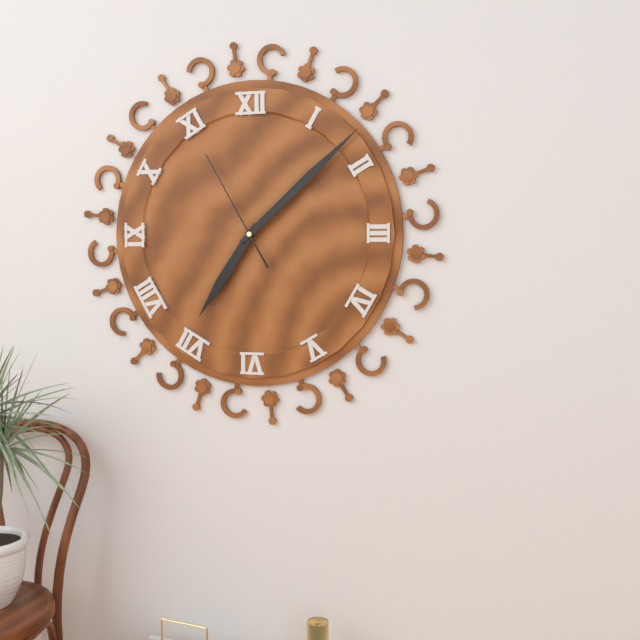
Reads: 7:08:55
